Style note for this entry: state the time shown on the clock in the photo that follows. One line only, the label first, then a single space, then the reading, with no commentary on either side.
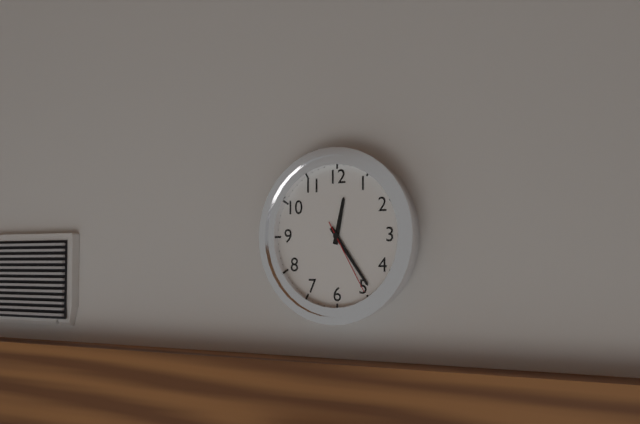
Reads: 12:24:25
